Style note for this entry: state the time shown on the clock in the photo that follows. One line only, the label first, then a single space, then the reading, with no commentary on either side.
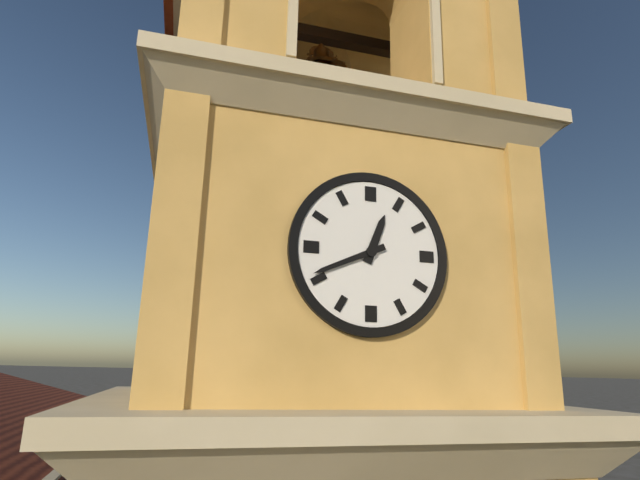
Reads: 12:41
